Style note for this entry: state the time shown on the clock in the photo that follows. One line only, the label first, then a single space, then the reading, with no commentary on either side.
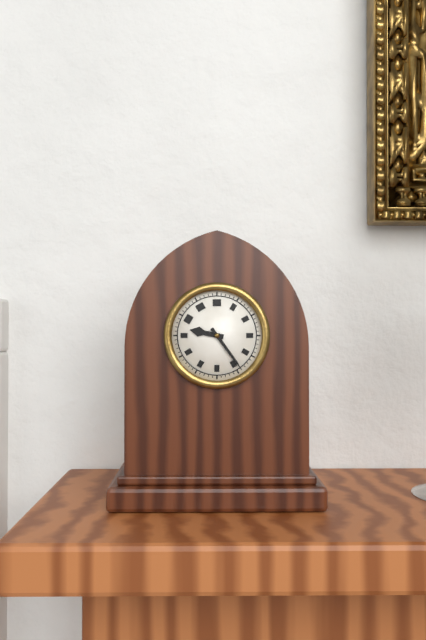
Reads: 9:24
